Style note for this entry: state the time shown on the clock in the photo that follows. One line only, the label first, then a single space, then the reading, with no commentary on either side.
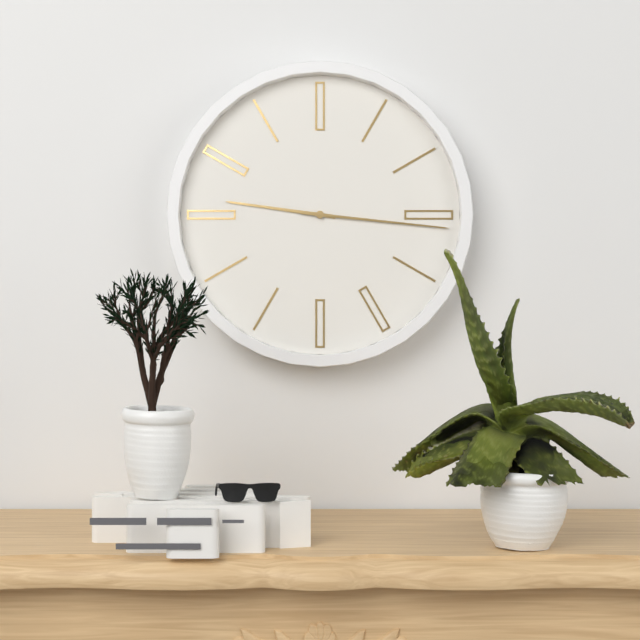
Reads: 9:16
